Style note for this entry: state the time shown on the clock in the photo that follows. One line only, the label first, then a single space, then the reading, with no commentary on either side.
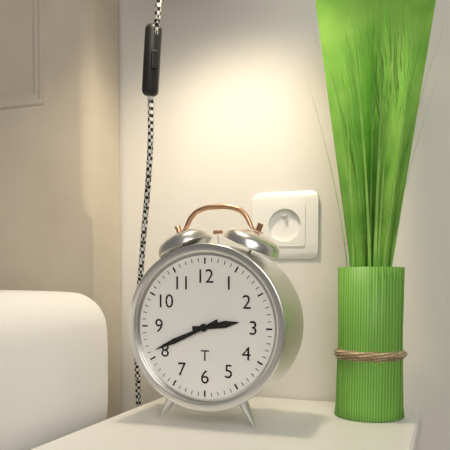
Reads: 2:41
